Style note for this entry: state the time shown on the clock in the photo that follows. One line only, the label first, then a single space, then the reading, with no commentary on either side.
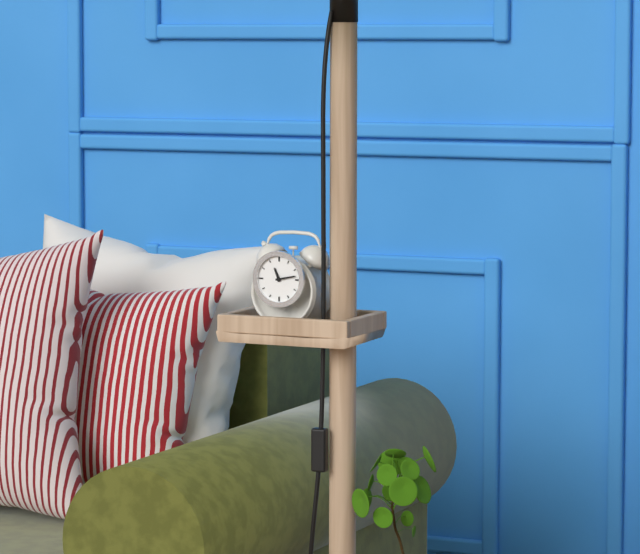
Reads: 11:13
